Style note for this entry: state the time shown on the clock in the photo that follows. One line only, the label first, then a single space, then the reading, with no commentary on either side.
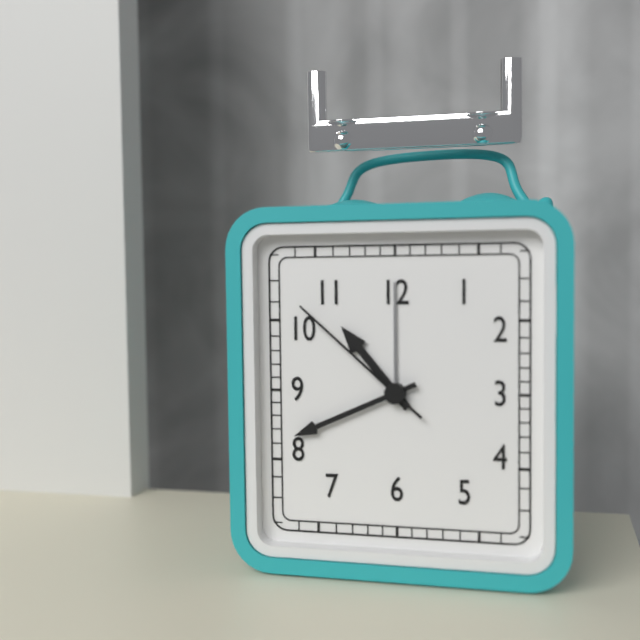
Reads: 10:41:52
